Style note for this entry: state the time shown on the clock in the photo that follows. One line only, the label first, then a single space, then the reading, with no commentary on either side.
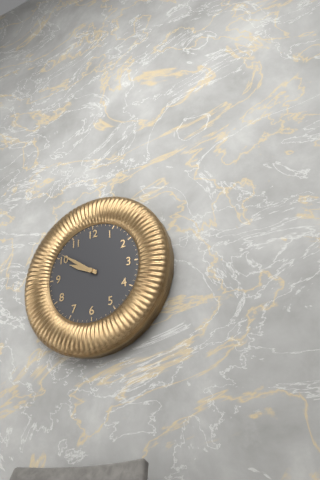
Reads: 9:51
